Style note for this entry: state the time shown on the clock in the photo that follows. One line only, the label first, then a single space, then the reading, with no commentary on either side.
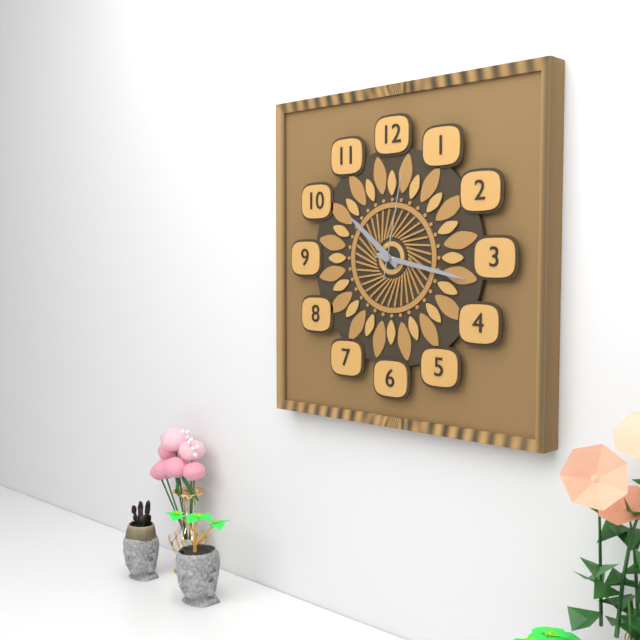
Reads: 10:17:02
